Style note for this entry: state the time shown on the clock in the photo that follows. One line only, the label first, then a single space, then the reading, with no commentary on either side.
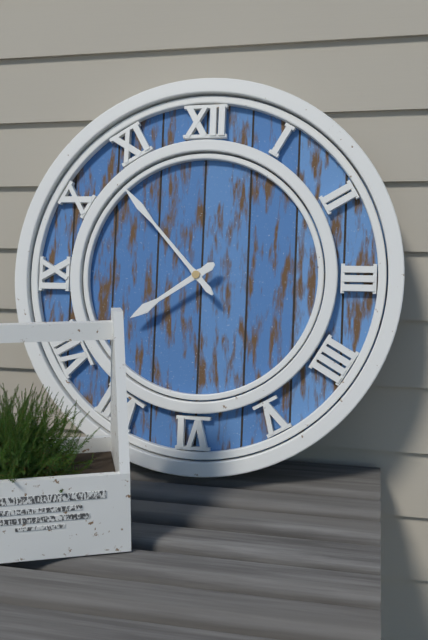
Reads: 7:53
